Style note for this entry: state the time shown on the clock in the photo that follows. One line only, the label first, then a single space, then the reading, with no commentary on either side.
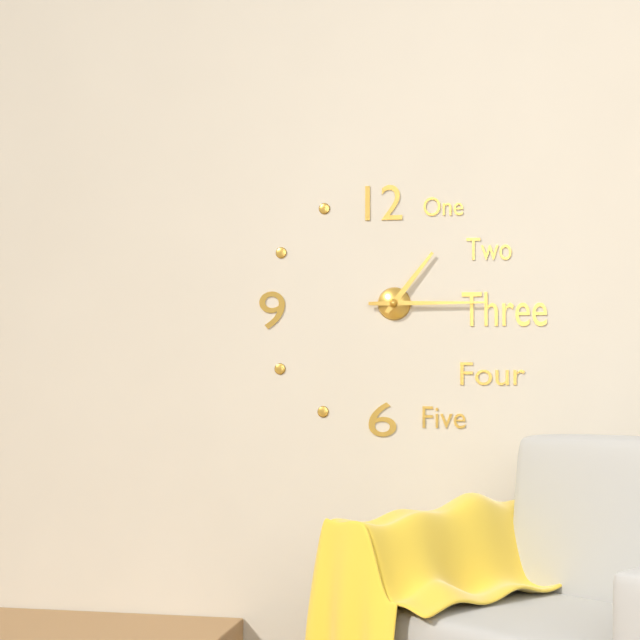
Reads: 1:15
